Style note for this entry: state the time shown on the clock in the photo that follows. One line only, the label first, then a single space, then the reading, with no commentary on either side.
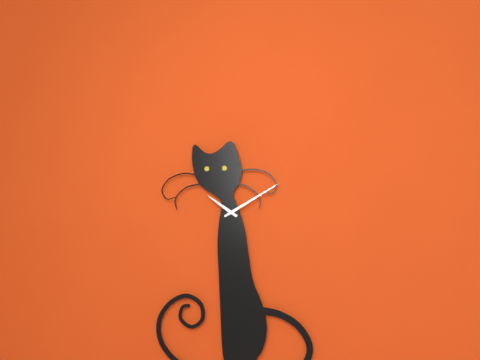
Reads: 10:10
